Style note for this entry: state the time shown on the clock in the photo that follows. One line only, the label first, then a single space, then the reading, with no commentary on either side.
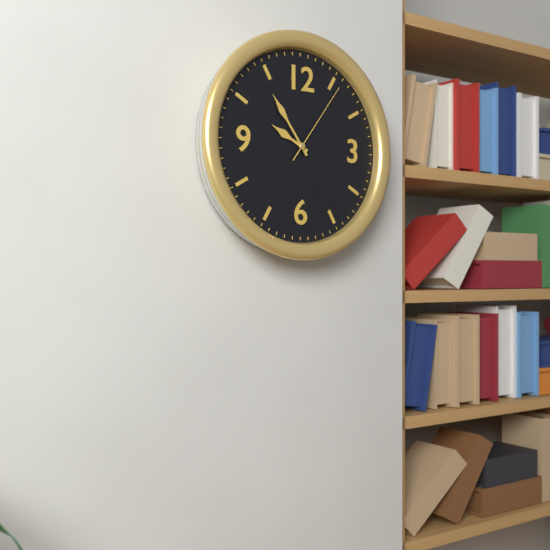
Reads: 9:54:06
